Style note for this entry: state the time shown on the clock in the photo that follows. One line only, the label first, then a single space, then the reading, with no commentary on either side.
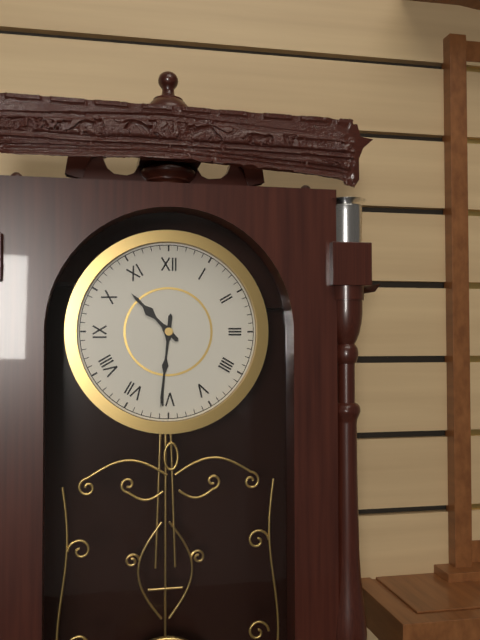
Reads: 10:31
